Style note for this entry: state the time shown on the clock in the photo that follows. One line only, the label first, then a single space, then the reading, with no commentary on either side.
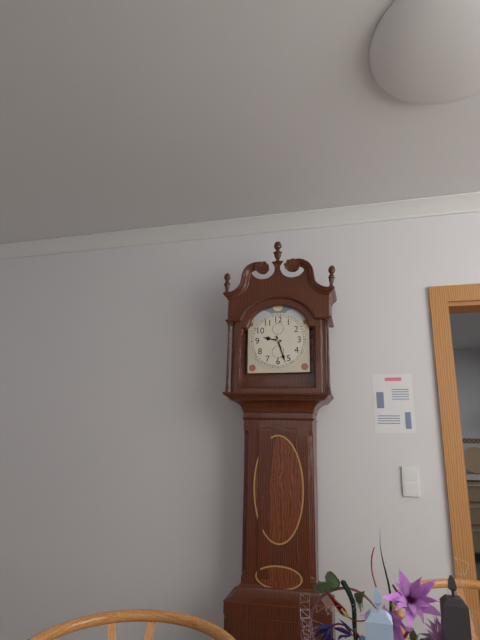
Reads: 9:27
